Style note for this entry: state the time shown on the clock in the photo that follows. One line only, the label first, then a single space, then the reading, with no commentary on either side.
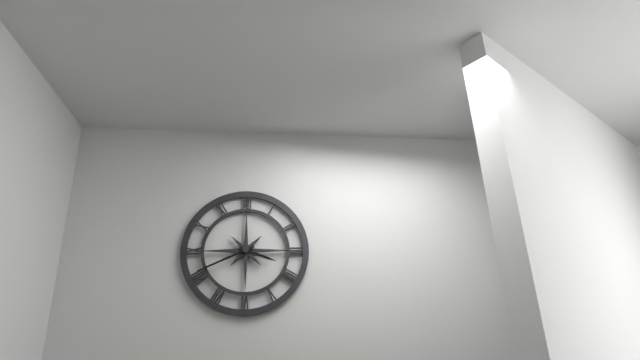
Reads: 3:41
